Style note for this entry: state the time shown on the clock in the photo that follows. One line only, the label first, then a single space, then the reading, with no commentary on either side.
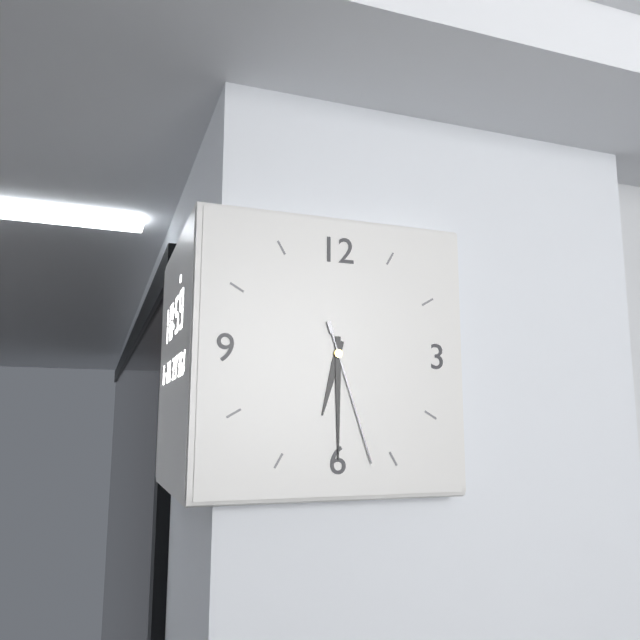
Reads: 6:30:27
